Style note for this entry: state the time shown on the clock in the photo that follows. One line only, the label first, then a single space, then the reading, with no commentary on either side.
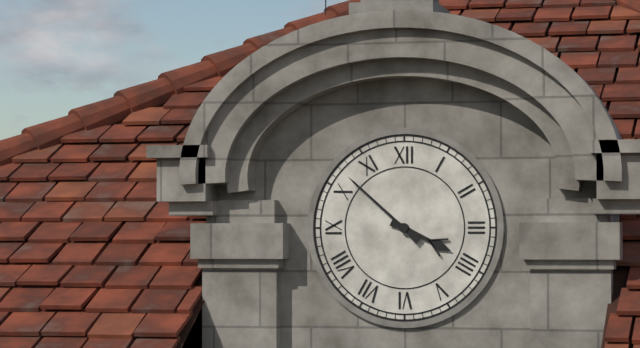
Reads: 3:52
